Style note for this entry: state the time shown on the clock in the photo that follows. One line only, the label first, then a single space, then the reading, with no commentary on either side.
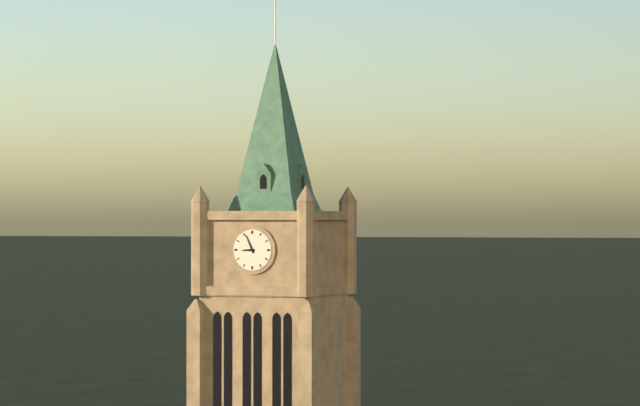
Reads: 8:56
